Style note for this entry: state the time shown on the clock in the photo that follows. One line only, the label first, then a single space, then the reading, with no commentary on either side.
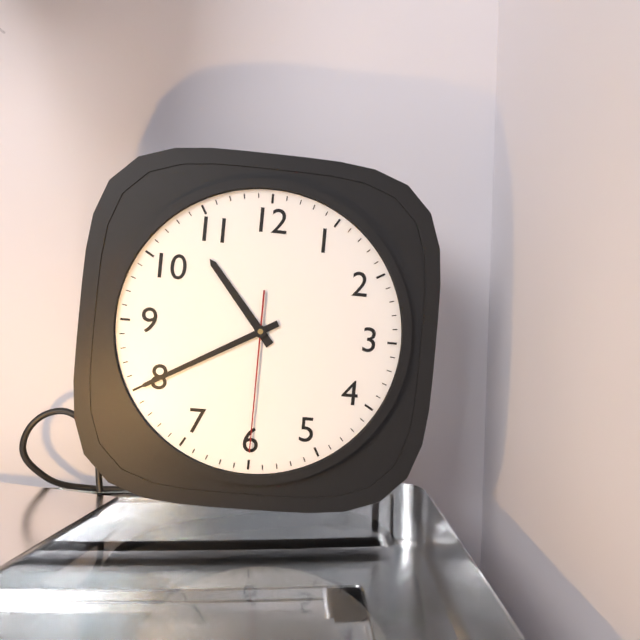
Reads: 10:40:30
